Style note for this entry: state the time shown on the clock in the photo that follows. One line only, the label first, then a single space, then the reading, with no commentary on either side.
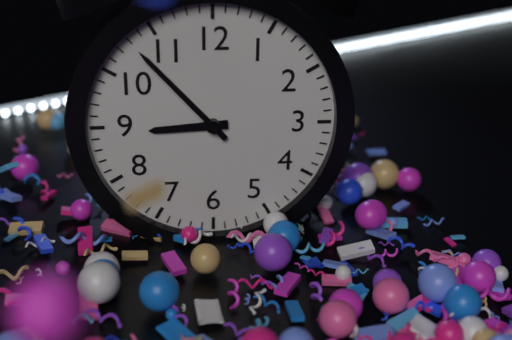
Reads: 8:53
